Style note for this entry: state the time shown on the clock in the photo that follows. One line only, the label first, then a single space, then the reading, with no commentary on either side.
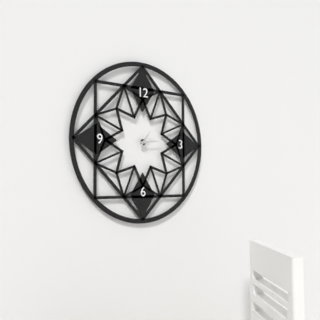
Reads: 1:14
